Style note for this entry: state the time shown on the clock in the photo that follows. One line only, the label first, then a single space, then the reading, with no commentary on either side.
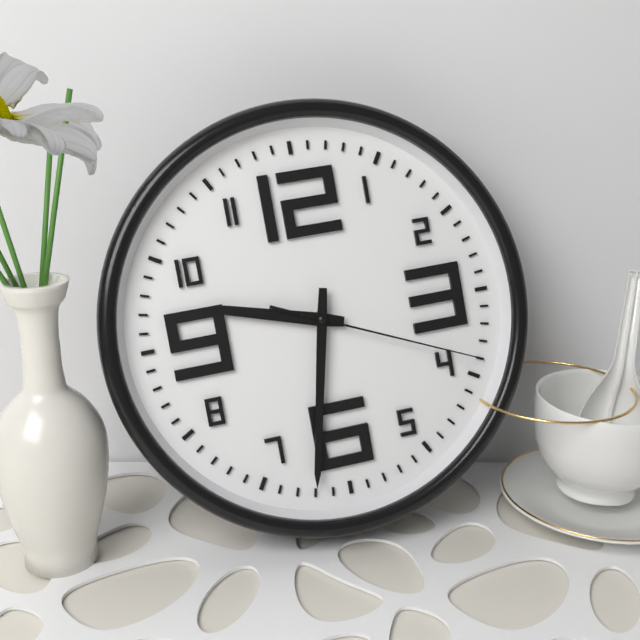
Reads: 9:32:19
